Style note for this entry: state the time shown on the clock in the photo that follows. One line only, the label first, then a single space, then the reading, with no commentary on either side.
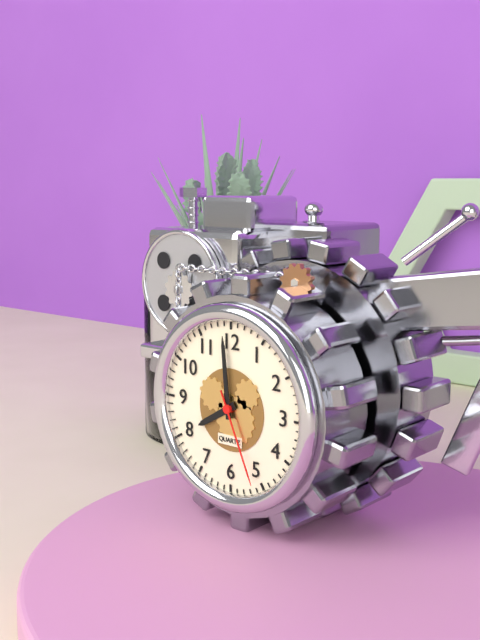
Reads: 7:59:26
